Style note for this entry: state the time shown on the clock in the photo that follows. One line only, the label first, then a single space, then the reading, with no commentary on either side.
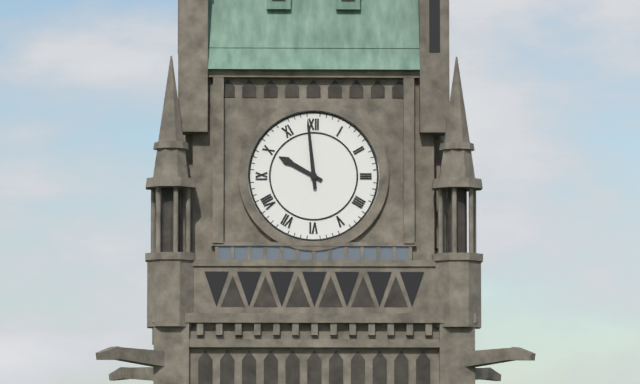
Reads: 9:59
